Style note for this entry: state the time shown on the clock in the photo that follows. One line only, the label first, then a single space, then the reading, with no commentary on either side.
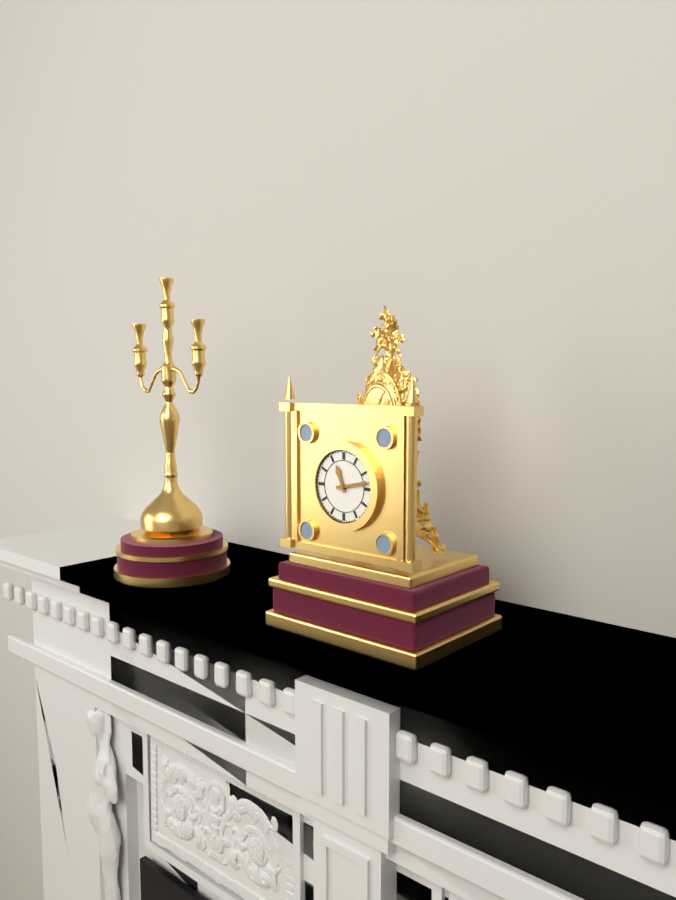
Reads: 11:13
